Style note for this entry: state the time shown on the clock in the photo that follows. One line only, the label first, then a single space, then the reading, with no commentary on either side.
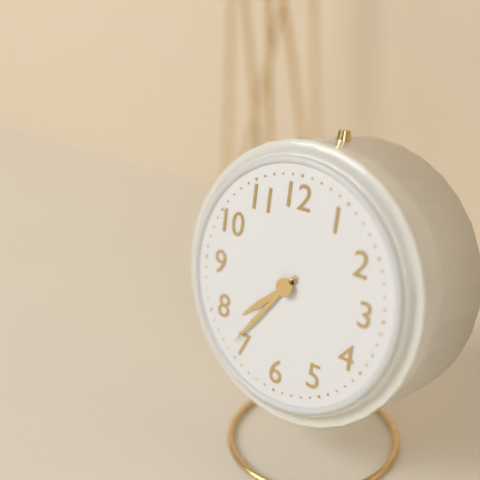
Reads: 7:36
